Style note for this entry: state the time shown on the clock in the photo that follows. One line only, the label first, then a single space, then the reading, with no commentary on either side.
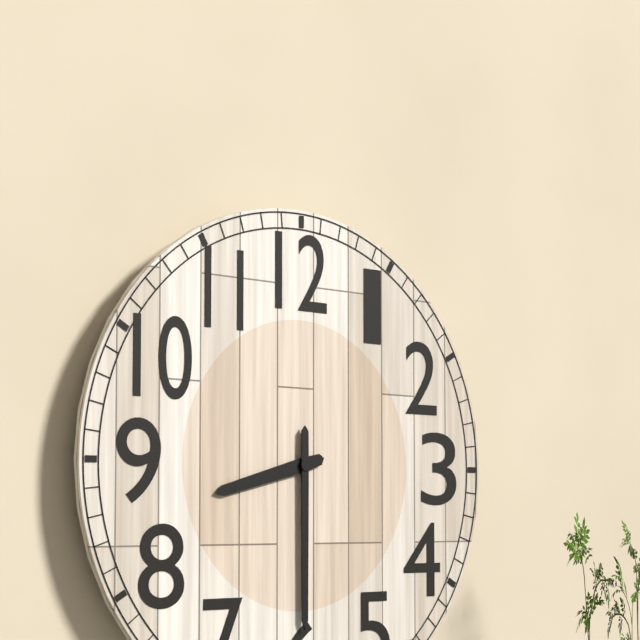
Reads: 8:30
